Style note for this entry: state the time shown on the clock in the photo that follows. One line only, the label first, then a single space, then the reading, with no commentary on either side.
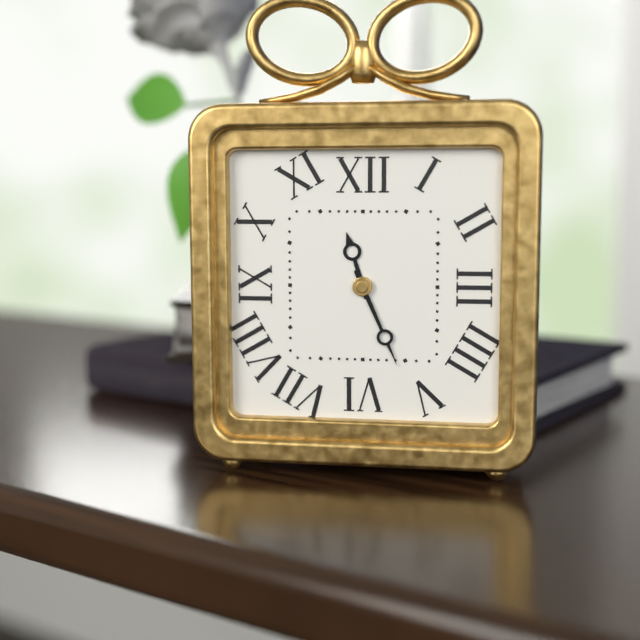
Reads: 11:26
